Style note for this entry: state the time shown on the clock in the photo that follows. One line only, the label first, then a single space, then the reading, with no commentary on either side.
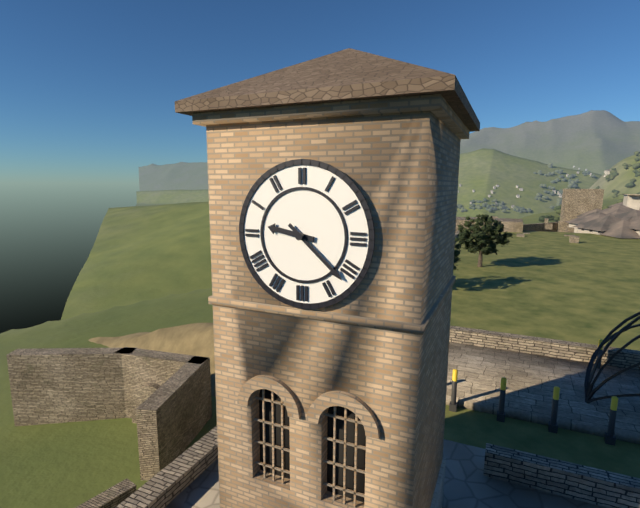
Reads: 9:22
